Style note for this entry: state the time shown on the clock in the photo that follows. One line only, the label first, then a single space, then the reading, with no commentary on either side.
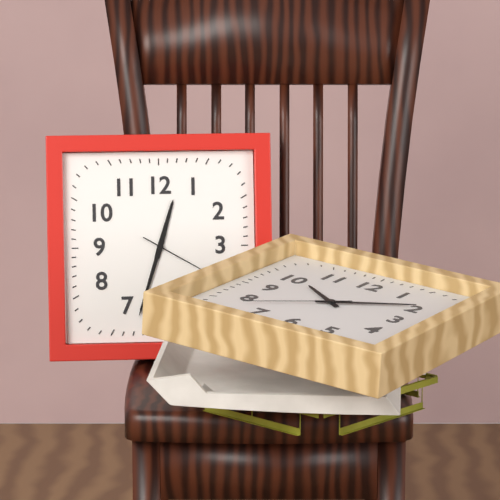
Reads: 12:33:20
